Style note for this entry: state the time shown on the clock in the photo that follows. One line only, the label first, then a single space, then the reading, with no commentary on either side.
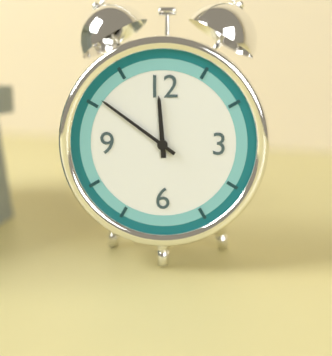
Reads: 11:51
